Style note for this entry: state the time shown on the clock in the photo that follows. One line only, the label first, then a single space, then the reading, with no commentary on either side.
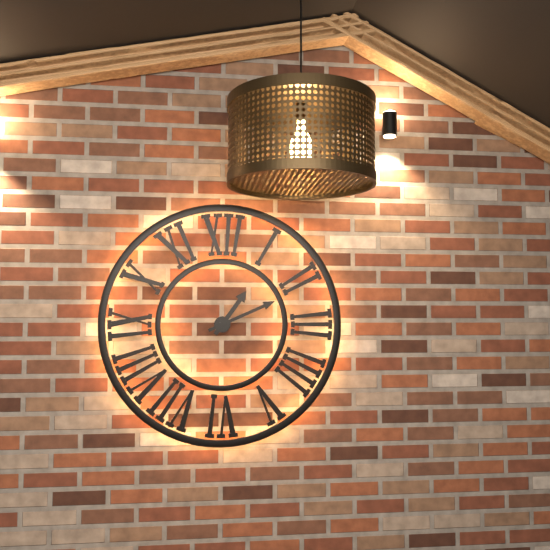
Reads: 1:11
